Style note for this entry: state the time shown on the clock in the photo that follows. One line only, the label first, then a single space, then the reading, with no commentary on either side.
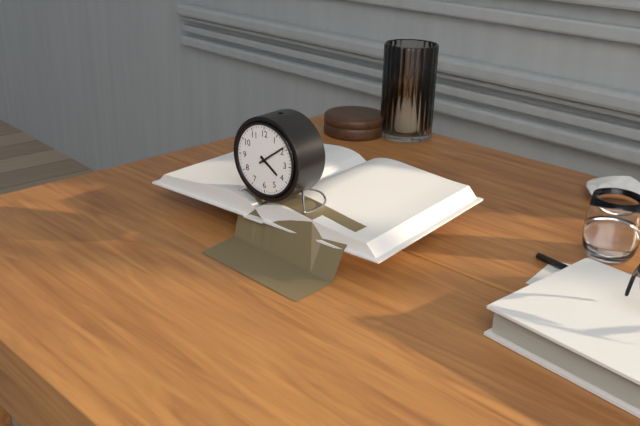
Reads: 4:09
